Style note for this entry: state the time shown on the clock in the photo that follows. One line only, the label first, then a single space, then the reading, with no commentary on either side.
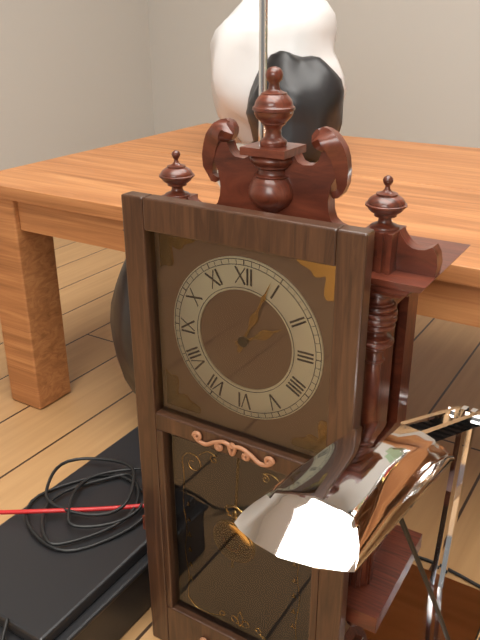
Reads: 2:04
